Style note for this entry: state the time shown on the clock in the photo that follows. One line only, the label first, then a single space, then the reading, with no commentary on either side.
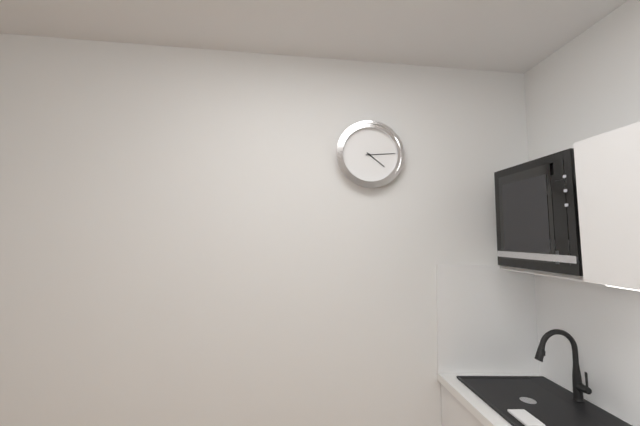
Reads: 4:14
